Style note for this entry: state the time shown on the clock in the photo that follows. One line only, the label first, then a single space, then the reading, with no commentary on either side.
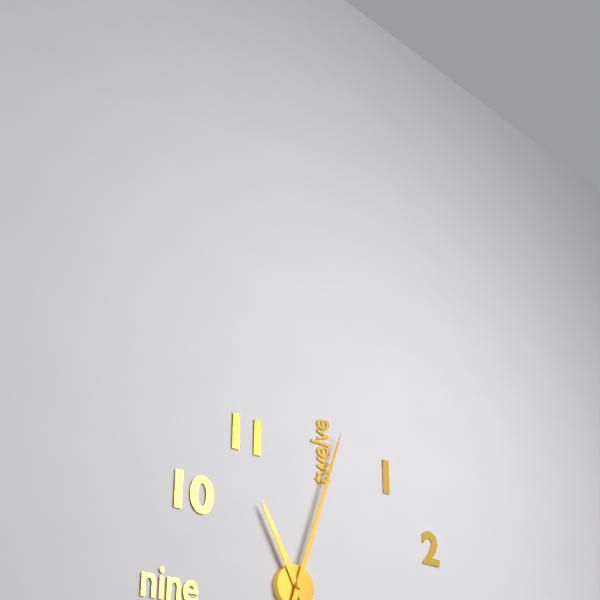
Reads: 11:03
